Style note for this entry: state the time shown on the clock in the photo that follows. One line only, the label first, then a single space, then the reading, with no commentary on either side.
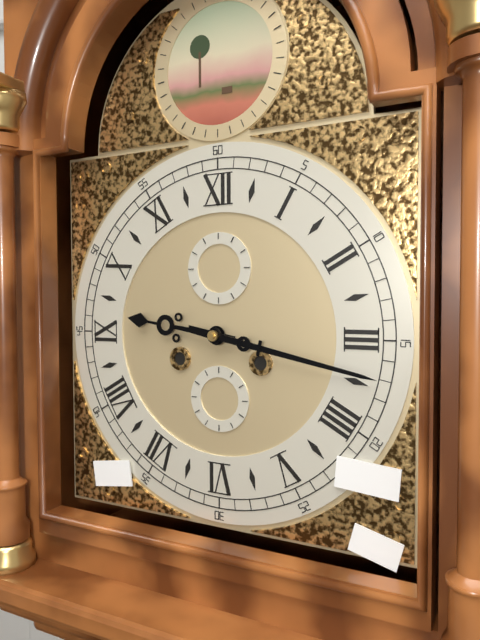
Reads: 9:17
